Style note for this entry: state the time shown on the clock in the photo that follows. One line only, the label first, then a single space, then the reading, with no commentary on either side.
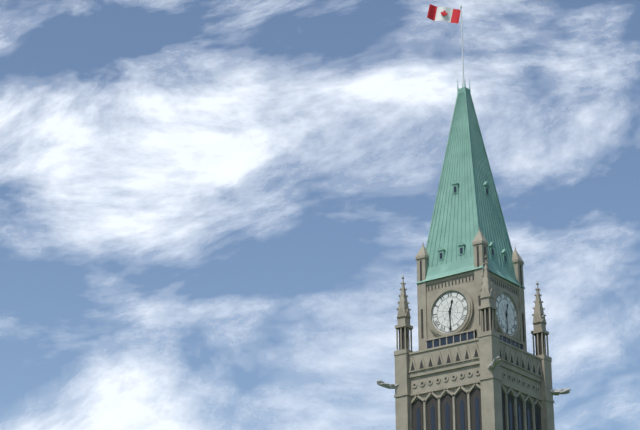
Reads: 12:30
